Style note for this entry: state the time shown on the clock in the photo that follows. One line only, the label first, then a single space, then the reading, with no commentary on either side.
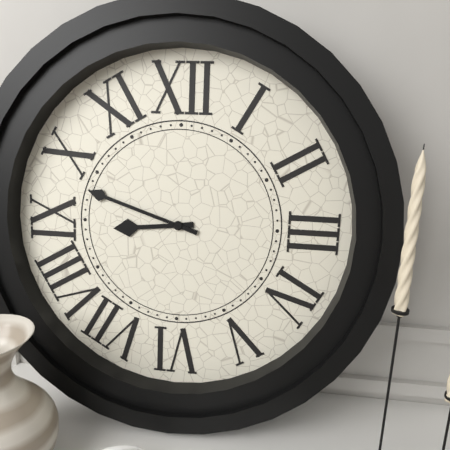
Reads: 8:48
